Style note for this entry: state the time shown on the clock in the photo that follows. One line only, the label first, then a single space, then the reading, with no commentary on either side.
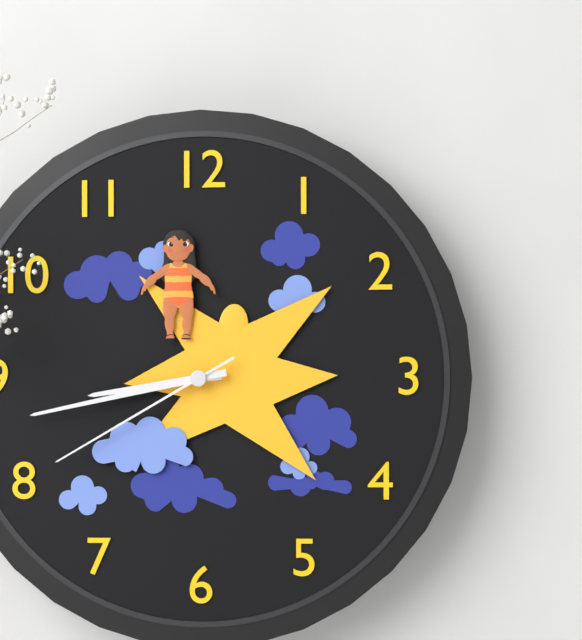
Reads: 8:43:40
